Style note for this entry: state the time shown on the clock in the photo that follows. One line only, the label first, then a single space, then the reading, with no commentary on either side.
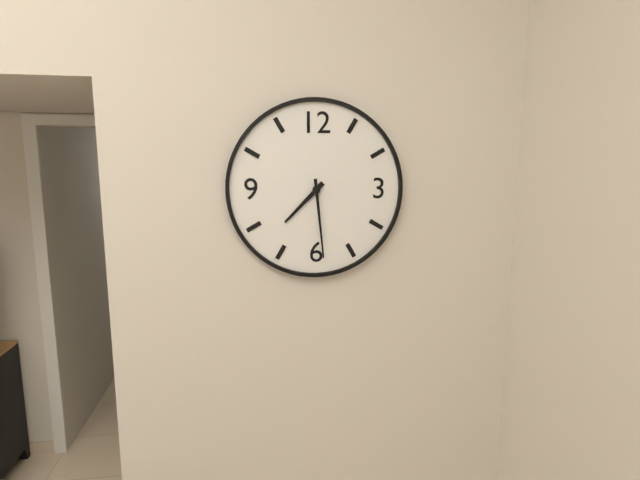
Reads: 7:29
